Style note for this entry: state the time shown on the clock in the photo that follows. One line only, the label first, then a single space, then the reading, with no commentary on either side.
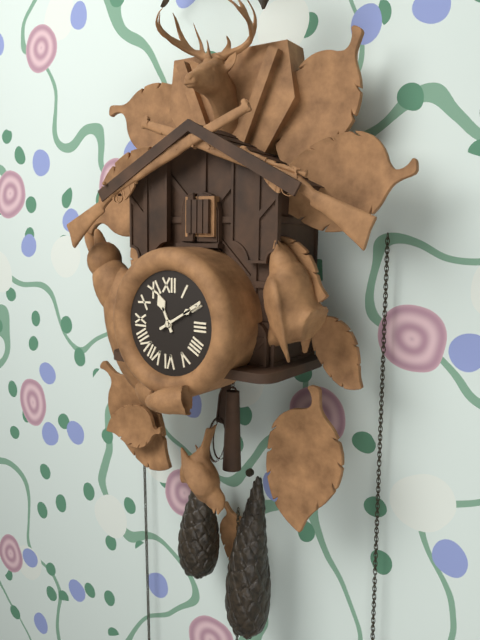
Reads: 11:10
